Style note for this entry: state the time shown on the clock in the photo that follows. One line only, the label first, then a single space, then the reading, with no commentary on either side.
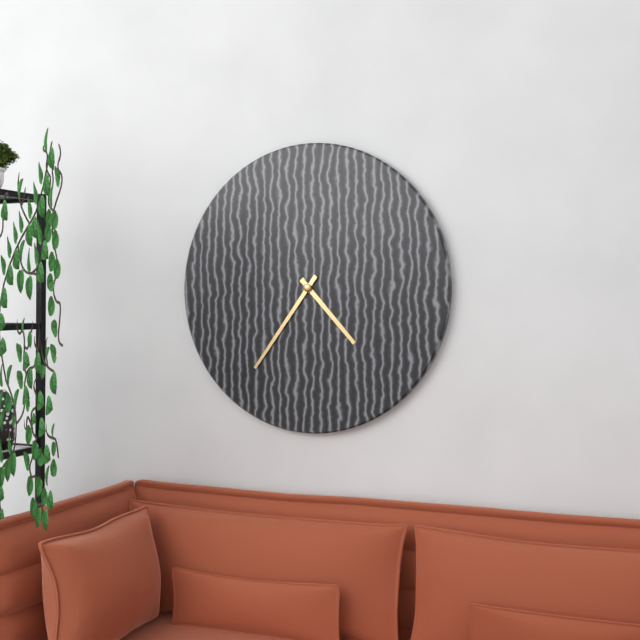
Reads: 4:36
